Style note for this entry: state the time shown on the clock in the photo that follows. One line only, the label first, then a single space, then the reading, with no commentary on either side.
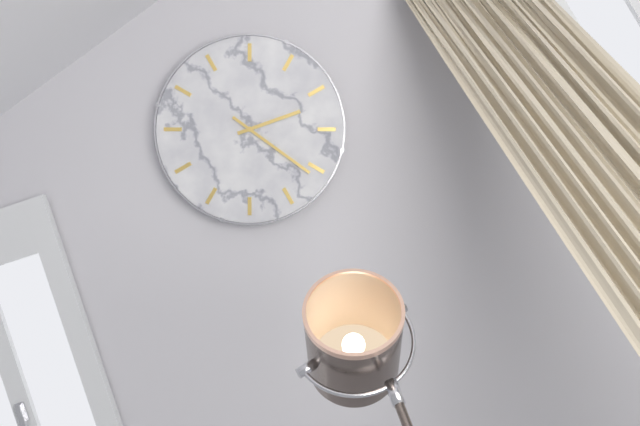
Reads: 2:21
